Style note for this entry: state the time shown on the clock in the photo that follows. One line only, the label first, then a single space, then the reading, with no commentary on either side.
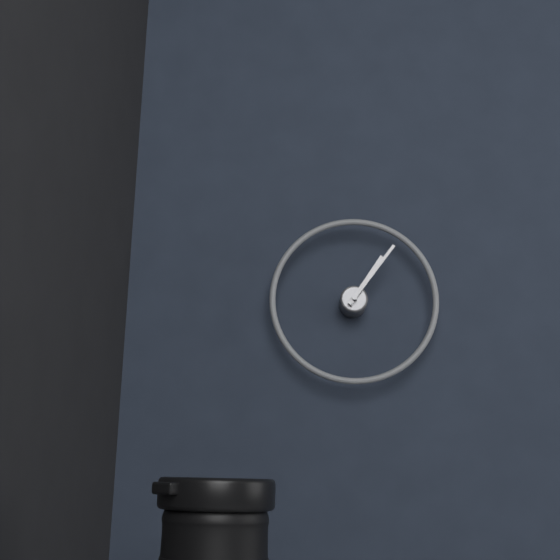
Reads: 1:06
